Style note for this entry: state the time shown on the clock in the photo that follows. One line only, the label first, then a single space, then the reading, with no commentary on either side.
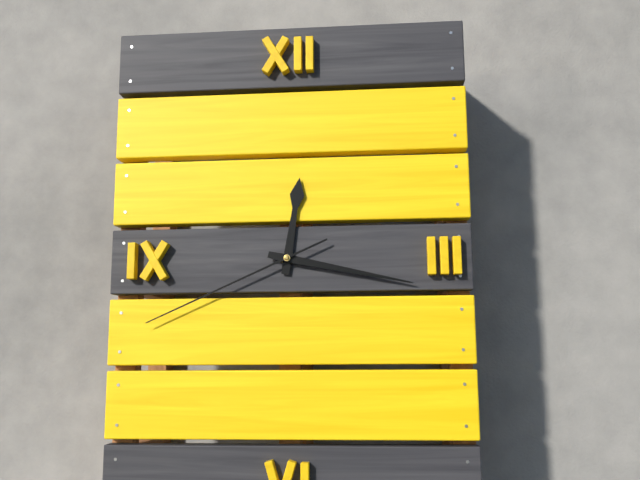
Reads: 12:17:41
